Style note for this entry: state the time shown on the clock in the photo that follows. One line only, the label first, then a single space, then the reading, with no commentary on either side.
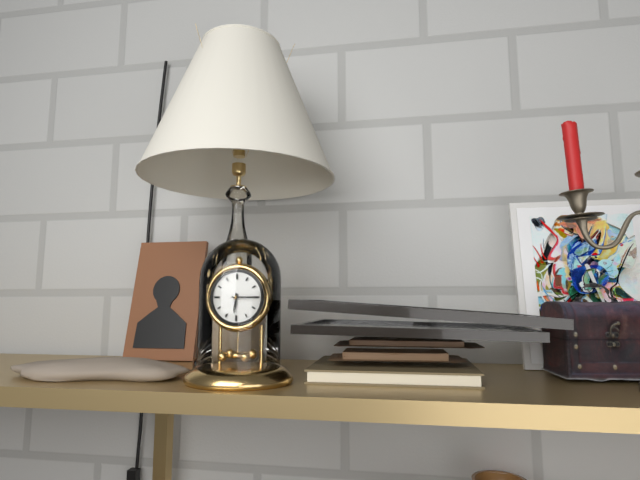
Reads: 6:15
